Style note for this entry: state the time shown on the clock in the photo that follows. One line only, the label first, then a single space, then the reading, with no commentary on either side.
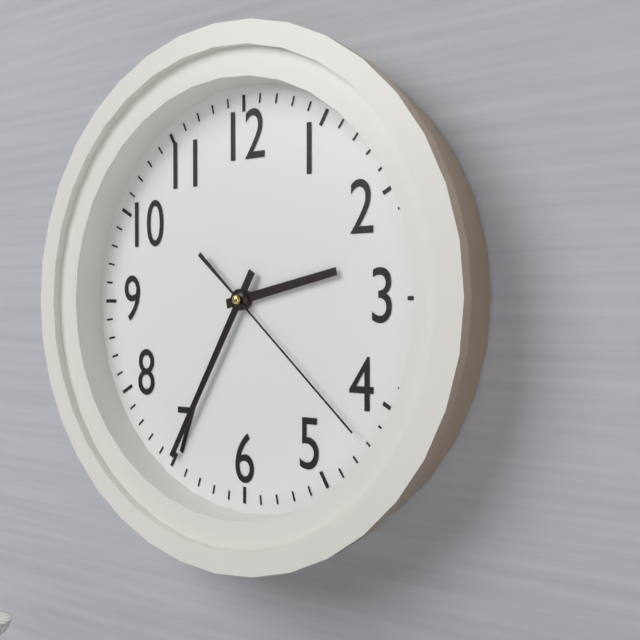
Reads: 2:35:22
